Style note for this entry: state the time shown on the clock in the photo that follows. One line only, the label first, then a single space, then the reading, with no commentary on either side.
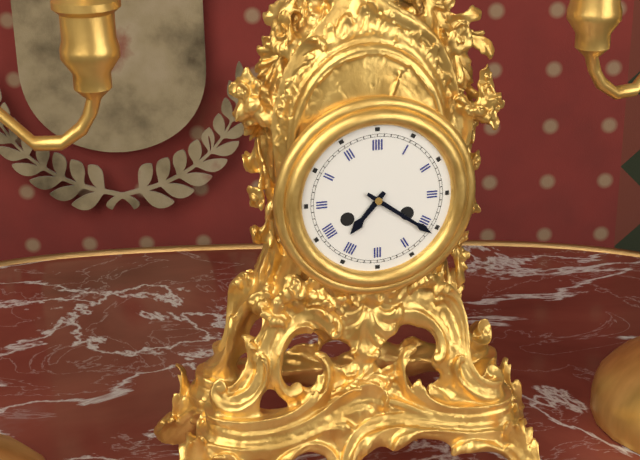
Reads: 7:21
